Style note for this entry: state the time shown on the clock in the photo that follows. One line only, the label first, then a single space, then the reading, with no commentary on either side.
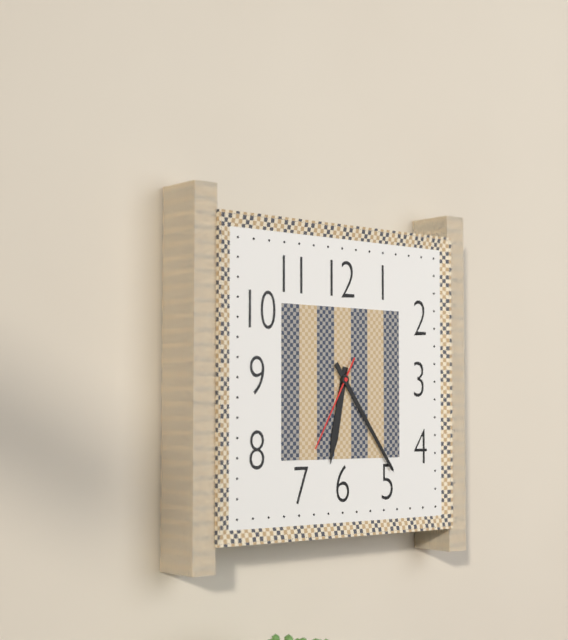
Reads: 6:24:35
